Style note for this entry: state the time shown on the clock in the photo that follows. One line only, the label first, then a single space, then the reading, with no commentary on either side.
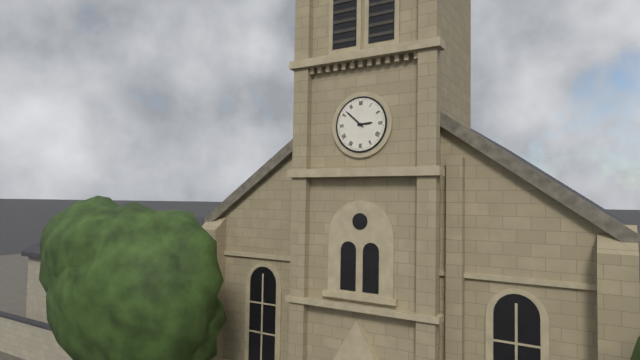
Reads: 2:52
